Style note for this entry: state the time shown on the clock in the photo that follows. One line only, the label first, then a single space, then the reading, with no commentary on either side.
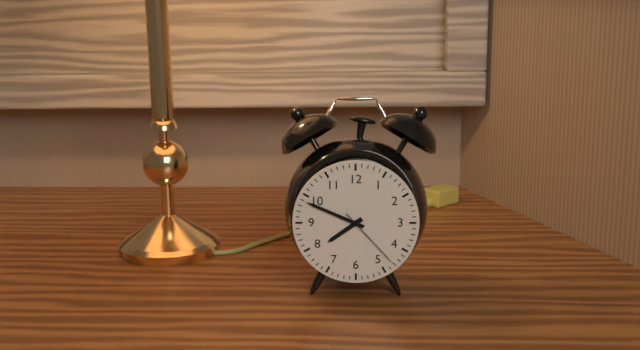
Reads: 7:49:23
